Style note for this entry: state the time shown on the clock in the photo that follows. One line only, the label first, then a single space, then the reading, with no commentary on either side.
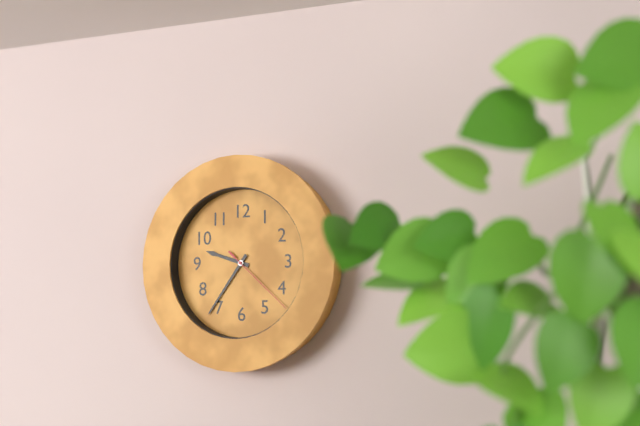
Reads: 9:36:22
